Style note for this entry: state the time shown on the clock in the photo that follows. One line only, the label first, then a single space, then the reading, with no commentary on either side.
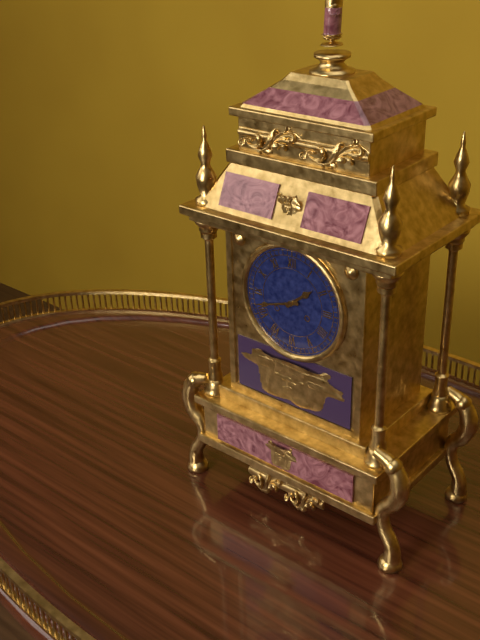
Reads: 1:42
